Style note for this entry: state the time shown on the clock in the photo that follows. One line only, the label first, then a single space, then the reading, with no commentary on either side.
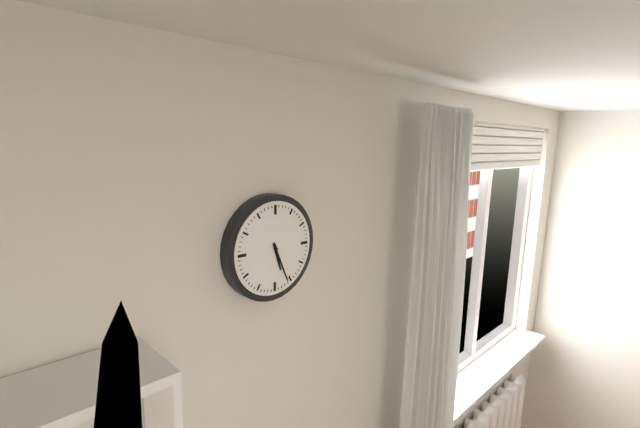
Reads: 5:26
